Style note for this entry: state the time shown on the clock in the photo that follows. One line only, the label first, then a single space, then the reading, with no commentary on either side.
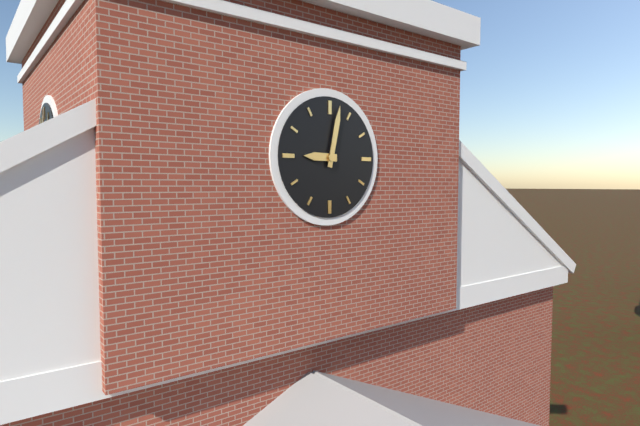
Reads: 9:02
